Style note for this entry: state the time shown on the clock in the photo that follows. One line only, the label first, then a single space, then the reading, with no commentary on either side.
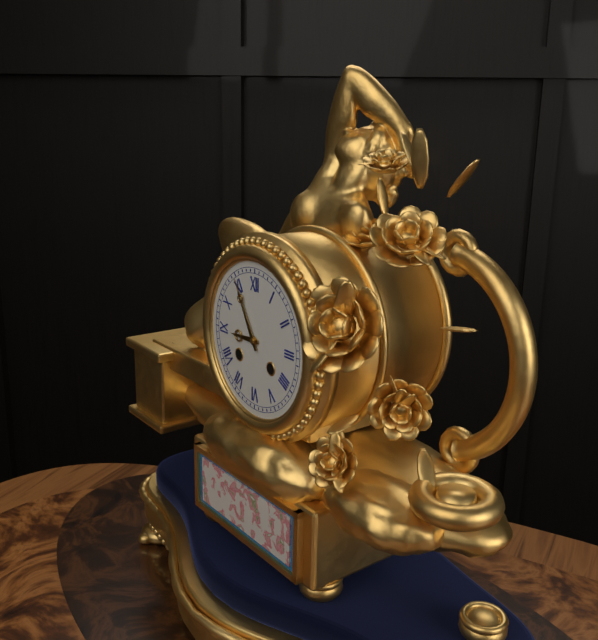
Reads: 8:55
